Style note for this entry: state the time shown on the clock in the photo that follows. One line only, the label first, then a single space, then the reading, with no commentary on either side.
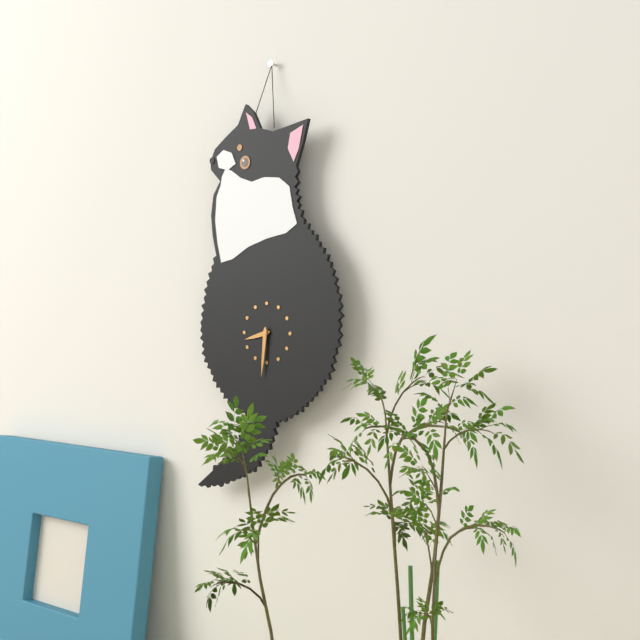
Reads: 8:31
